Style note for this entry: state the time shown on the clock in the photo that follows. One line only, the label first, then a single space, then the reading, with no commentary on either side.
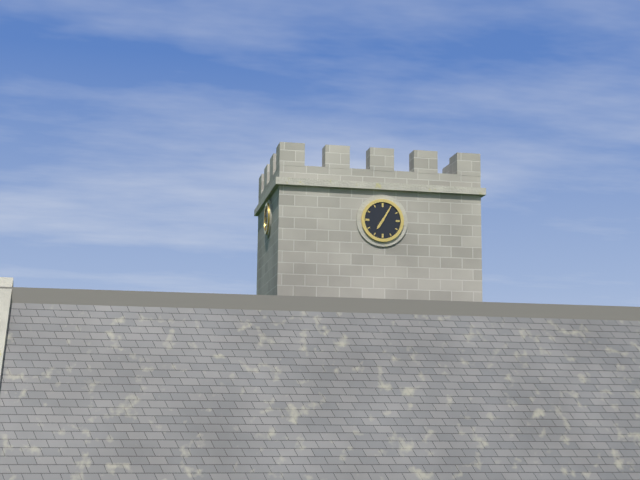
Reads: 7:05
